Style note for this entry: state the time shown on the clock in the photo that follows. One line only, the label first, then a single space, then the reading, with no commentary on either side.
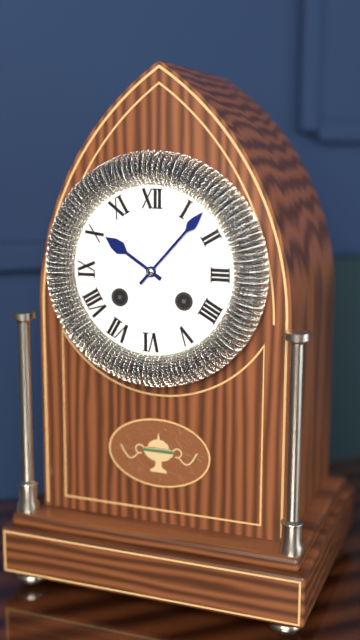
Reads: 10:07
